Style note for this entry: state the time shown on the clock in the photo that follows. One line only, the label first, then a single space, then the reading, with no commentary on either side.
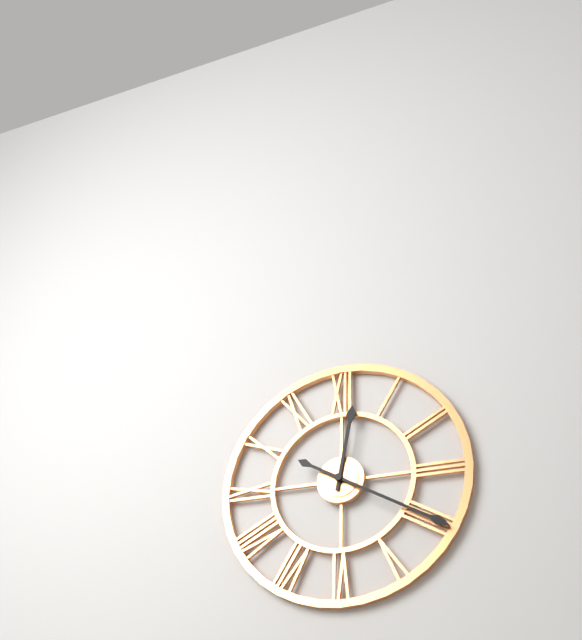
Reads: 12:20
